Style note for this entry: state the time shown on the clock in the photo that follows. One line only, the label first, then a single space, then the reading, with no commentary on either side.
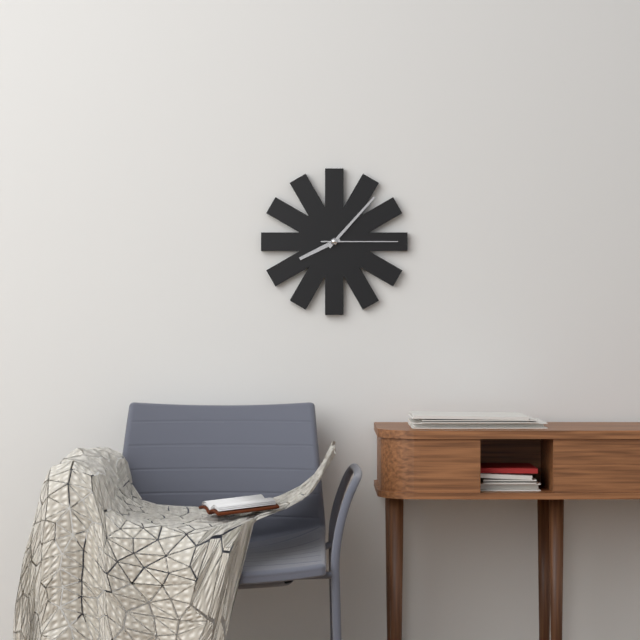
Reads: 8:07:15
